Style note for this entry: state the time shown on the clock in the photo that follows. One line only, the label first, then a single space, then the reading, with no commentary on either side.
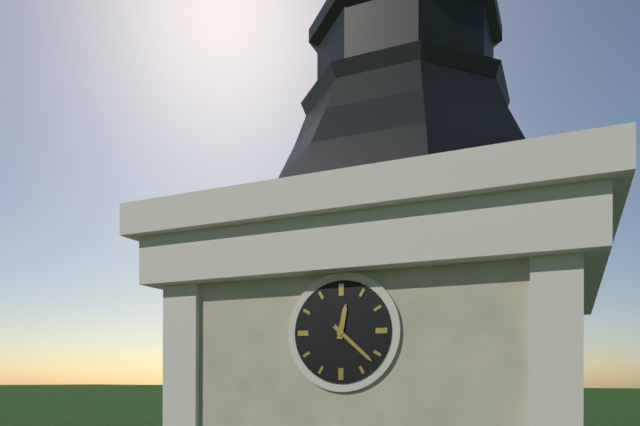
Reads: 12:22
